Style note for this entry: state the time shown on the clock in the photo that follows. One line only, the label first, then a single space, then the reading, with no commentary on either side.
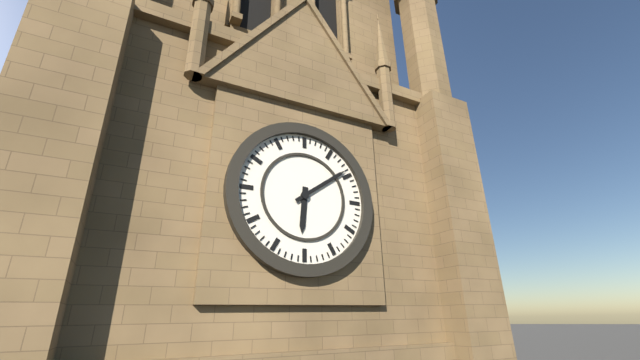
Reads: 6:09
